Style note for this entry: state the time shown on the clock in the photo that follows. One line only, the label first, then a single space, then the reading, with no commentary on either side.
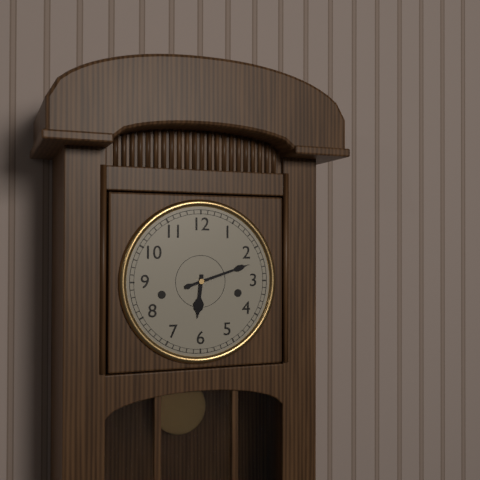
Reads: 6:12
